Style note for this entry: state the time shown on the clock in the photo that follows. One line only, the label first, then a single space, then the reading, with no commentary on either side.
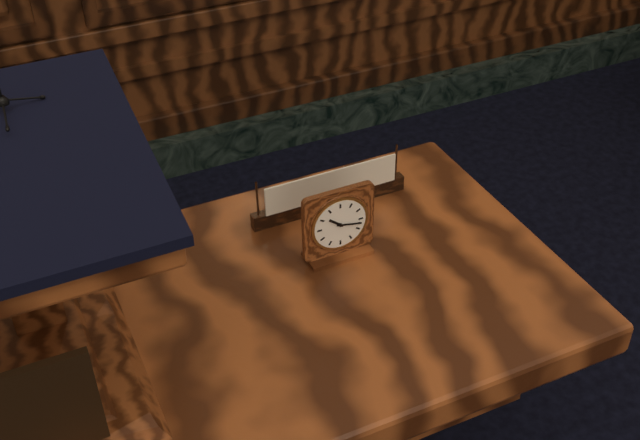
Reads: 10:17
